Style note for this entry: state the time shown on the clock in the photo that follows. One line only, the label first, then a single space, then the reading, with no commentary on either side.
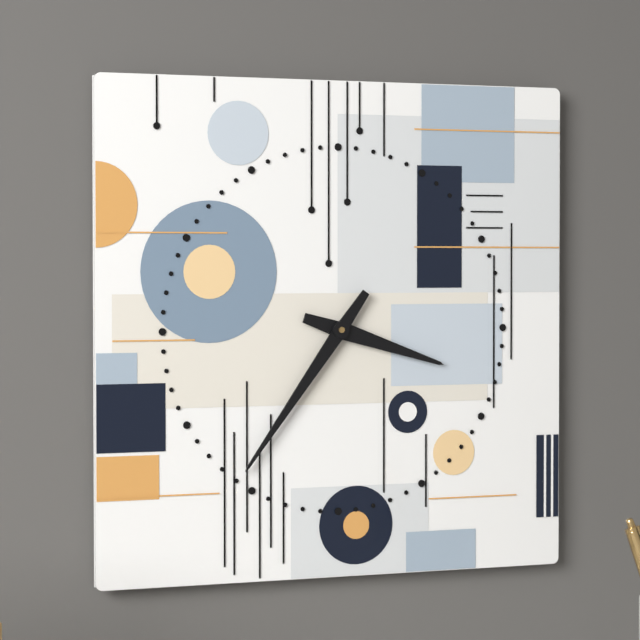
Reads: 3:36
